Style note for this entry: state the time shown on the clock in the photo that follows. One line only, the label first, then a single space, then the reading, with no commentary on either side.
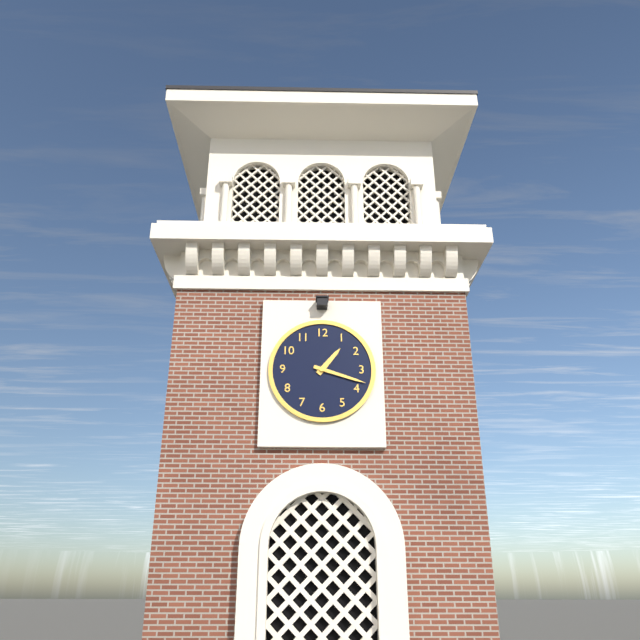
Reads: 1:18
